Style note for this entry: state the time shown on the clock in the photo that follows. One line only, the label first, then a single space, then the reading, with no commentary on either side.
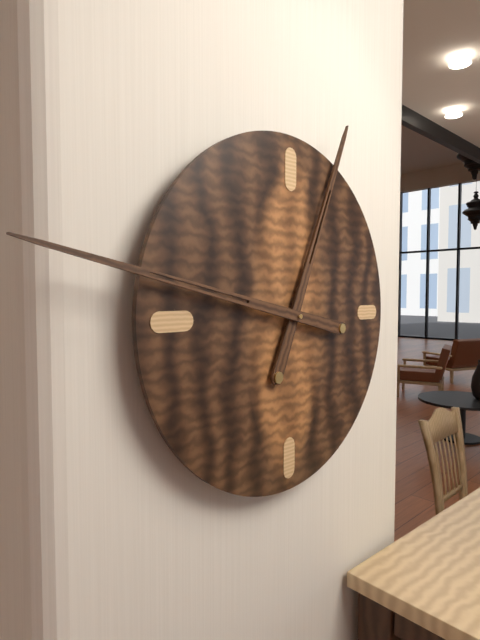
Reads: 12:47
